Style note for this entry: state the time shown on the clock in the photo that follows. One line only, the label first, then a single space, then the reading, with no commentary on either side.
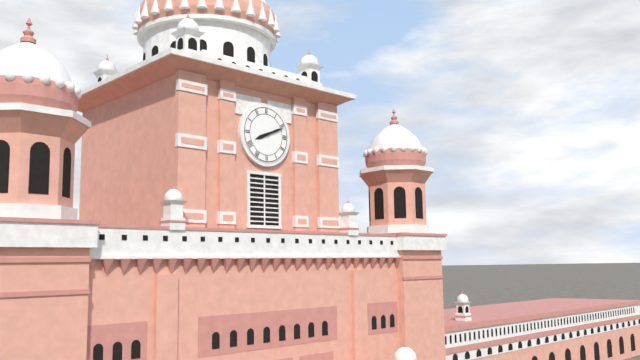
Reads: 8:11
